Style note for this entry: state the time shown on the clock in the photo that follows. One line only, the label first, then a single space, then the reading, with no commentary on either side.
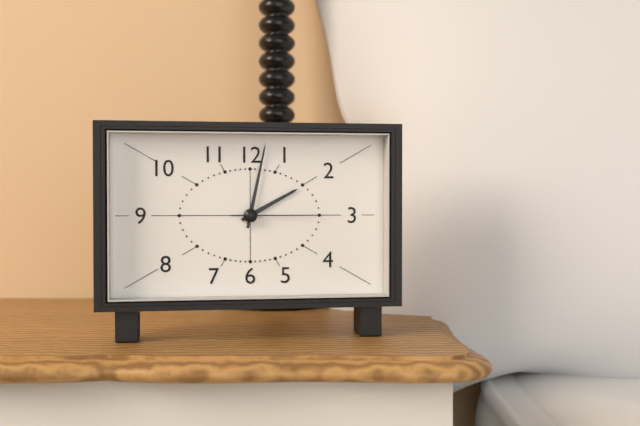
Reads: 2:02:15
